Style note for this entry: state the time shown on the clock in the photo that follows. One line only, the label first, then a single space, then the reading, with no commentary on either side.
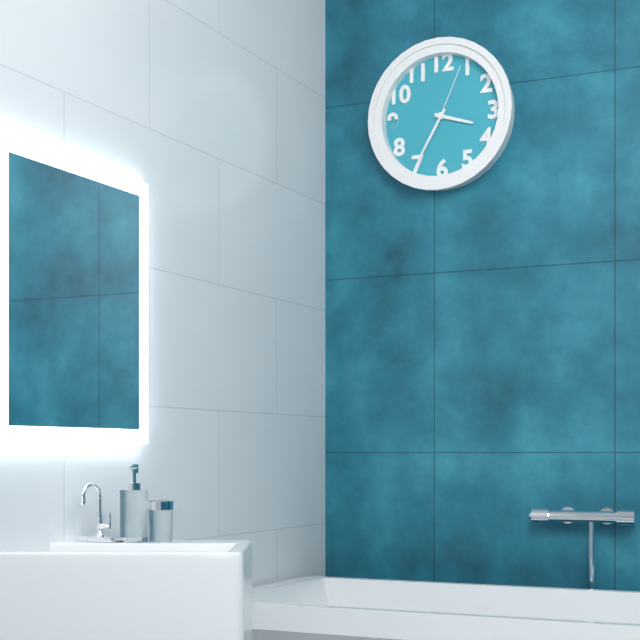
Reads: 3:35:04
